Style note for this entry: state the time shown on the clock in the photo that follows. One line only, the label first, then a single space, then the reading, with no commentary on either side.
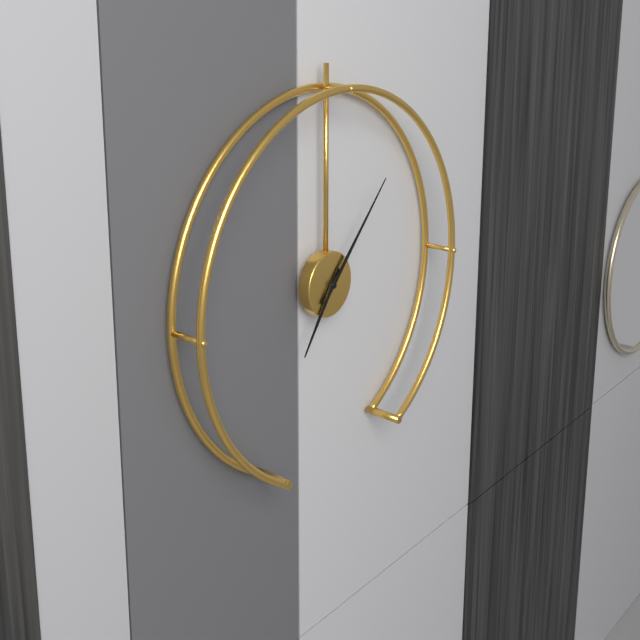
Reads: 7:07
